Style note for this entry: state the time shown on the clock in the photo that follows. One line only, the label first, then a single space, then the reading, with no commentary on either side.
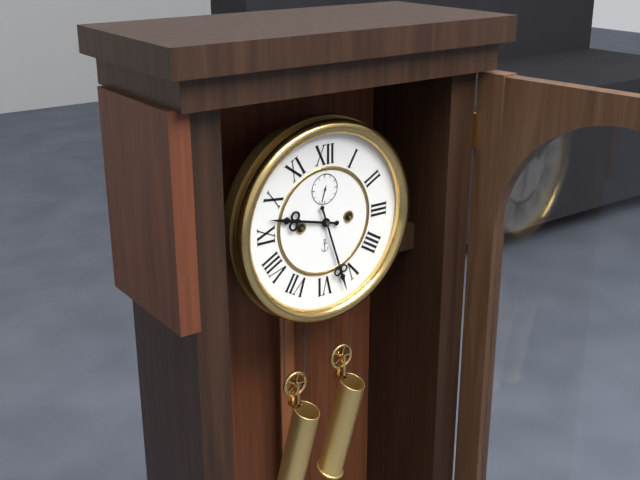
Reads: 9:27
